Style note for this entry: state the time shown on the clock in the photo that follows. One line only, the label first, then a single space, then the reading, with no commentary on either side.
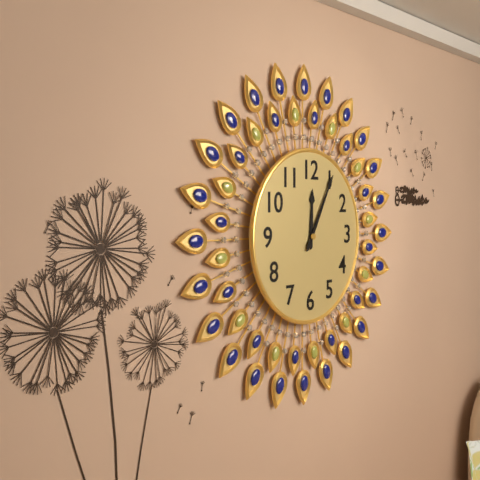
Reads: 12:05
